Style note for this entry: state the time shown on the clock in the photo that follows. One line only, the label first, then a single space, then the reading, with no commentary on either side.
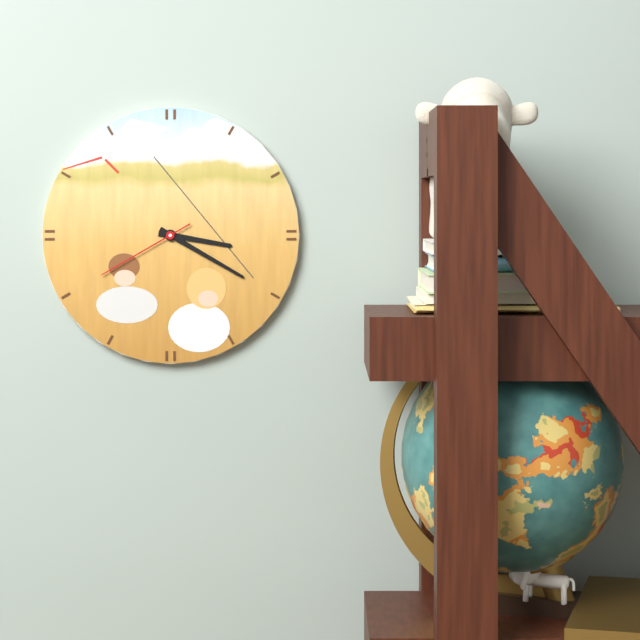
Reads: 3:20:40
